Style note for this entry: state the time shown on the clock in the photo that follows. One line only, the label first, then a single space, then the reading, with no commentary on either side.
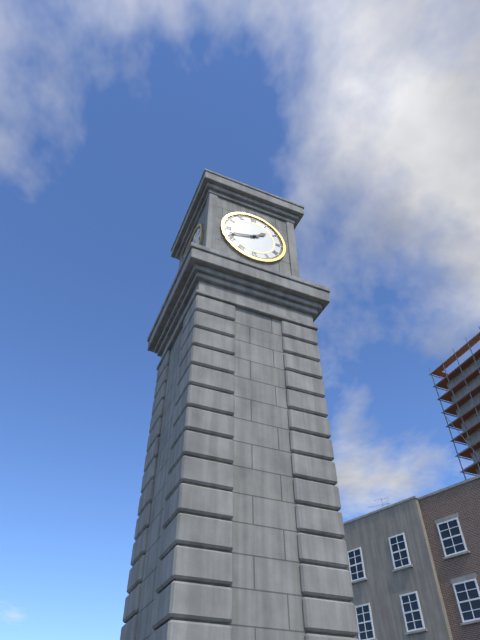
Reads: 1:42
